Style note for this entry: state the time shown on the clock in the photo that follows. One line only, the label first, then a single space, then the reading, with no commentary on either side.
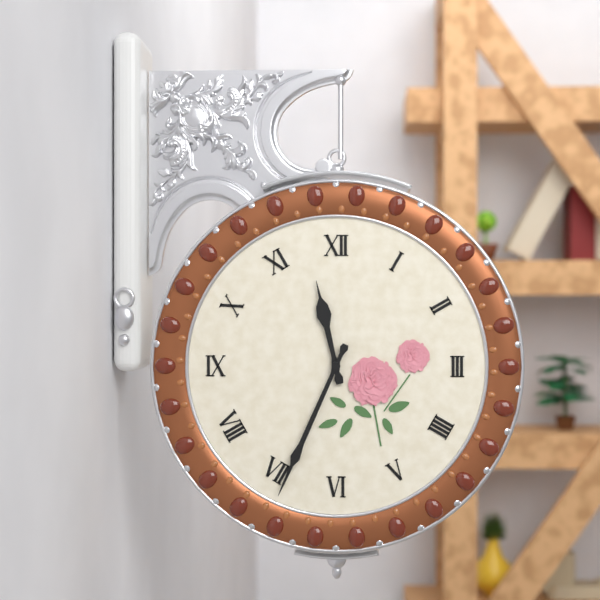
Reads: 11:34
